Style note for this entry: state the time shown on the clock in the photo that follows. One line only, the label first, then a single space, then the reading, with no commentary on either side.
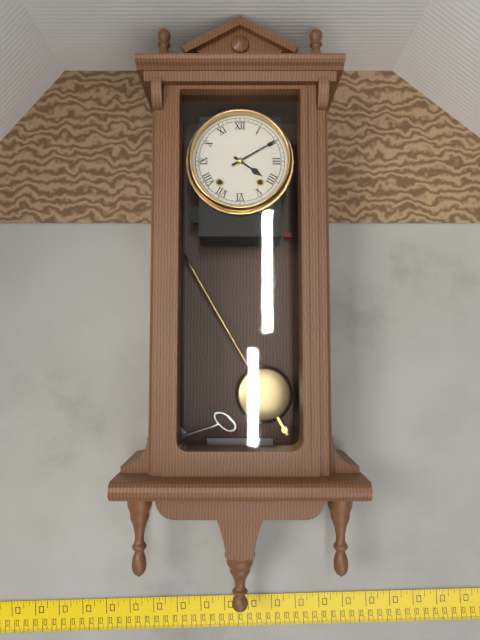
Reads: 4:10
